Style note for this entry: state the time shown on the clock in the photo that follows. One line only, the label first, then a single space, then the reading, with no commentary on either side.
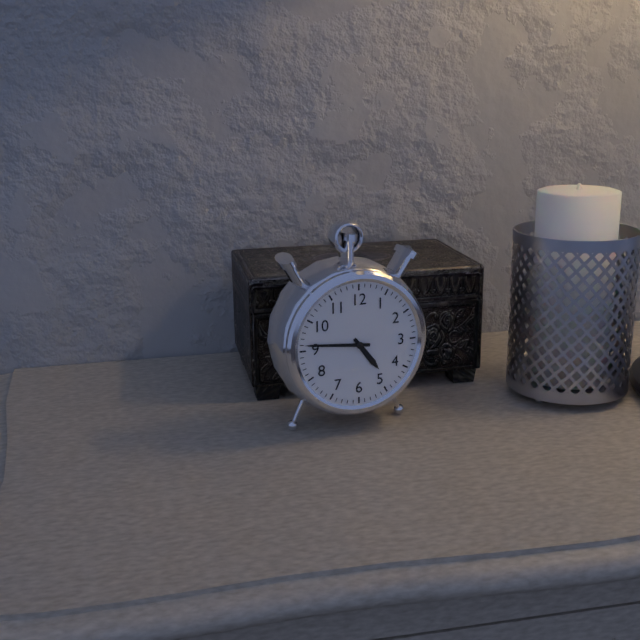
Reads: 4:46
